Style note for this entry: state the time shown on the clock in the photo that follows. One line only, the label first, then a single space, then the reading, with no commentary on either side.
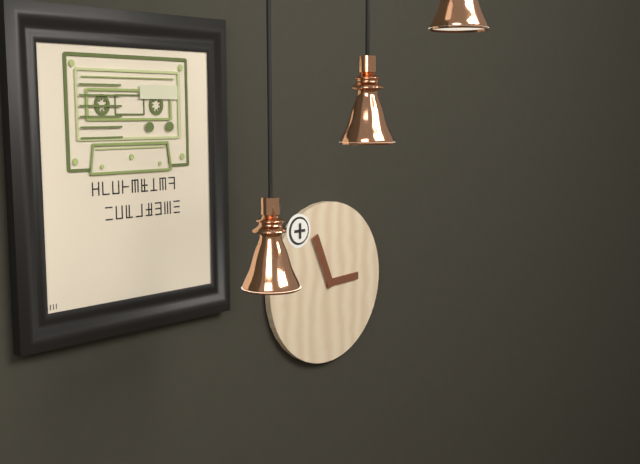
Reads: 2:56
